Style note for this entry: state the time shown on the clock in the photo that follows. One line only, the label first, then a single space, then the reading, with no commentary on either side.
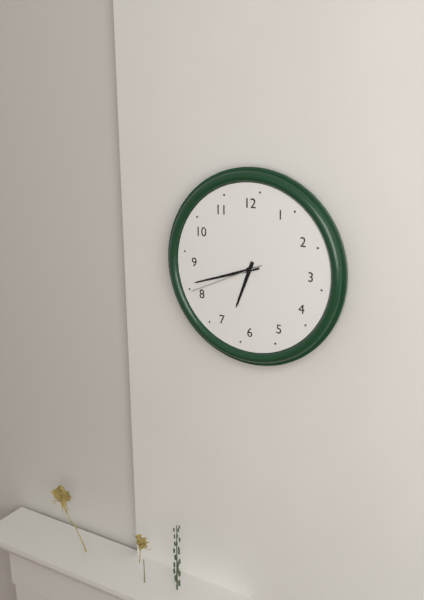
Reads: 6:42:41
